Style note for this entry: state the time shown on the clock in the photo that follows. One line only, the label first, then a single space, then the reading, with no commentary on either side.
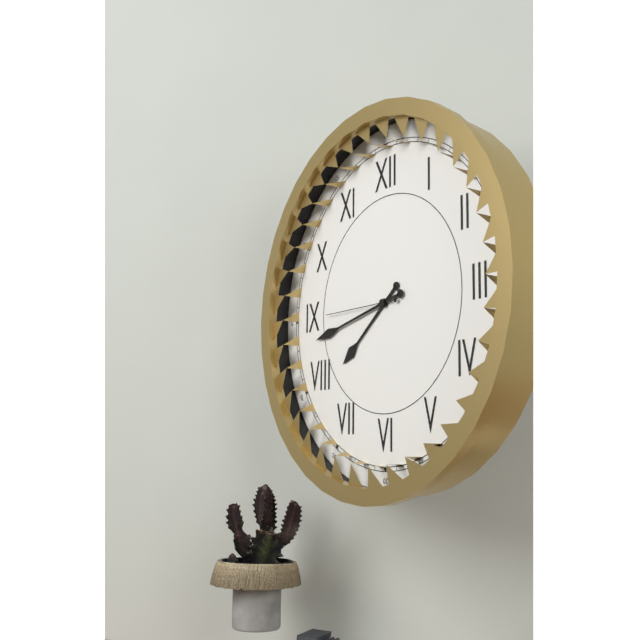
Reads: 7:43:45
